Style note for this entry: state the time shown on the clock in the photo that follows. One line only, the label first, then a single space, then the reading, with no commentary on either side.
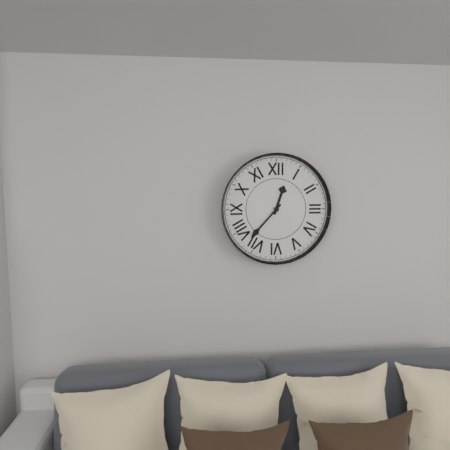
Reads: 12:37
